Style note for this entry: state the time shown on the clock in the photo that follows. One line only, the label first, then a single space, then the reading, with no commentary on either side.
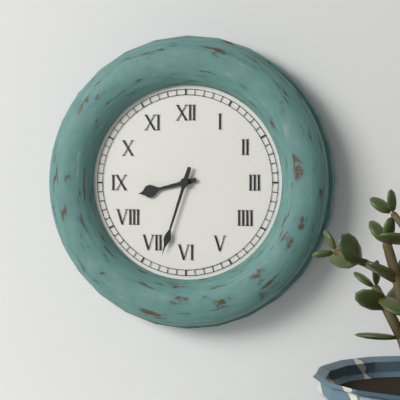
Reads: 8:33
